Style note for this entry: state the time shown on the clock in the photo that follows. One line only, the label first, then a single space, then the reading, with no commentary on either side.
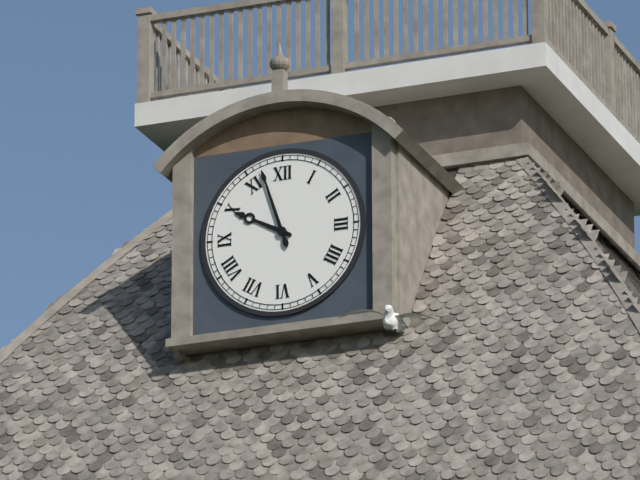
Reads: 9:57
